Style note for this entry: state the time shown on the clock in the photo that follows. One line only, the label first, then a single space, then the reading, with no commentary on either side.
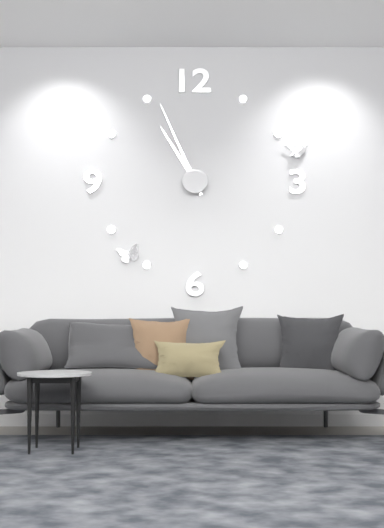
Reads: 10:56
